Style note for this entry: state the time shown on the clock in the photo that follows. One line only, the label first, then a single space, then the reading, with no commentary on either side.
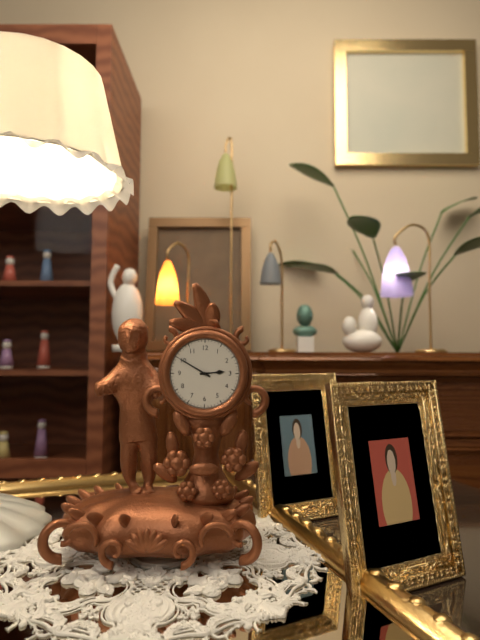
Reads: 2:50
